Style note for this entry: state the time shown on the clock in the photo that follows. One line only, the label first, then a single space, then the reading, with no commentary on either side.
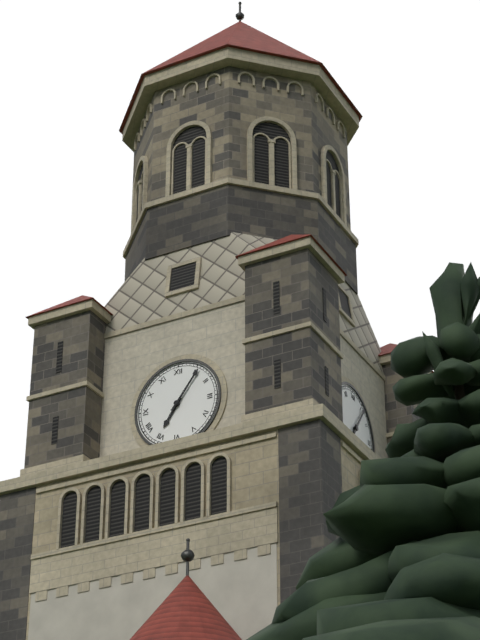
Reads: 7:06
